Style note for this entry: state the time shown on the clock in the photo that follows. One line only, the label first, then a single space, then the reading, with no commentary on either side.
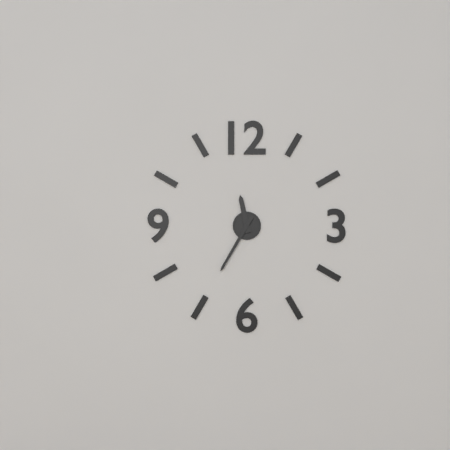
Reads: 11:35
